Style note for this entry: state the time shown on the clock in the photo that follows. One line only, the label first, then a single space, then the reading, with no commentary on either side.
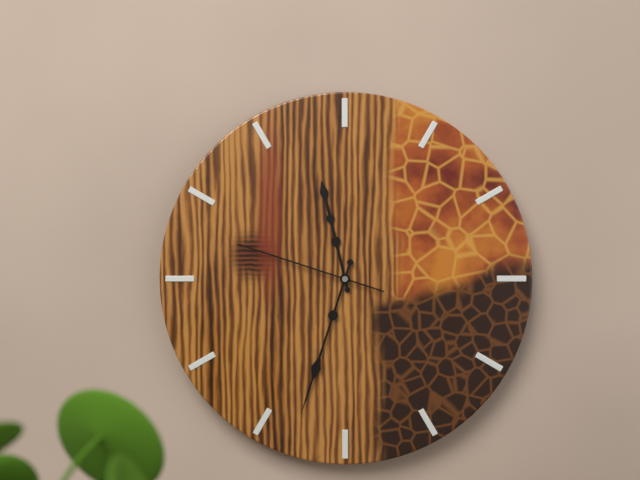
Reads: 11:33:48
